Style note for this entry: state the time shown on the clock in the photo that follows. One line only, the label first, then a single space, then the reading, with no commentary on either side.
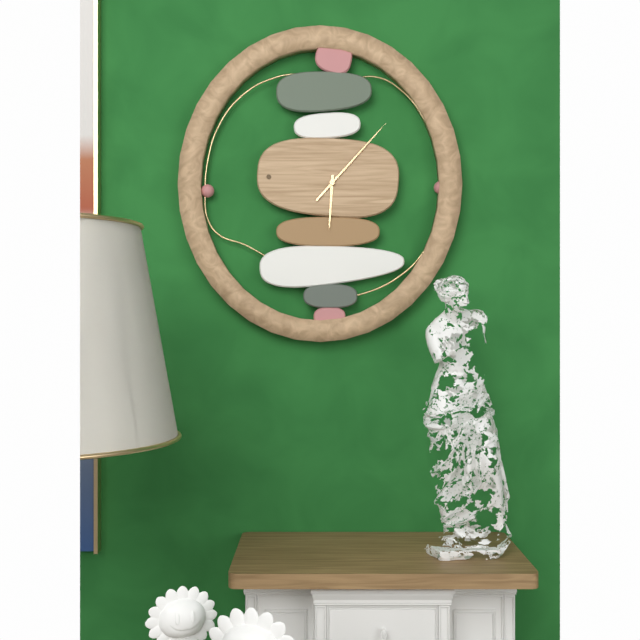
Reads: 6:07
